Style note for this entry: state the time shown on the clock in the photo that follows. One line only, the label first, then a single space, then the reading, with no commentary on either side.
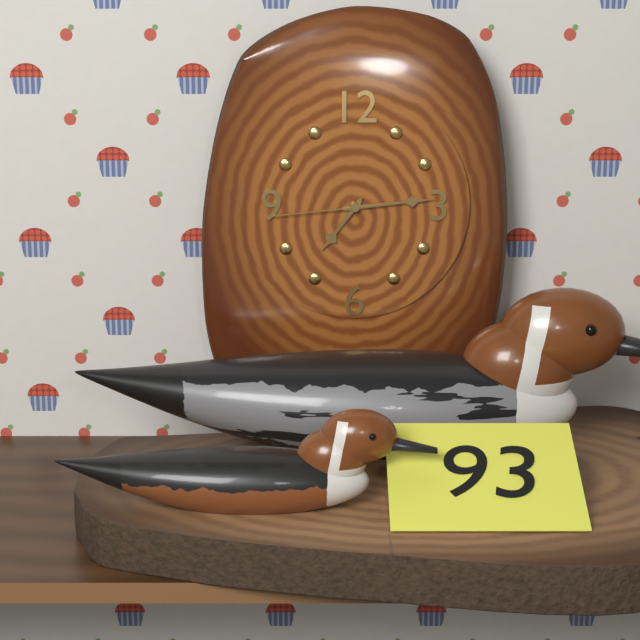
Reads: 7:14:44
